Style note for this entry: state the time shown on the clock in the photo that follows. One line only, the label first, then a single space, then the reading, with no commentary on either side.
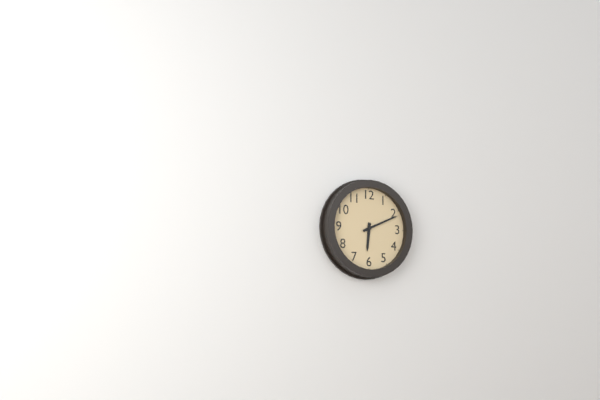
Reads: 6:11
